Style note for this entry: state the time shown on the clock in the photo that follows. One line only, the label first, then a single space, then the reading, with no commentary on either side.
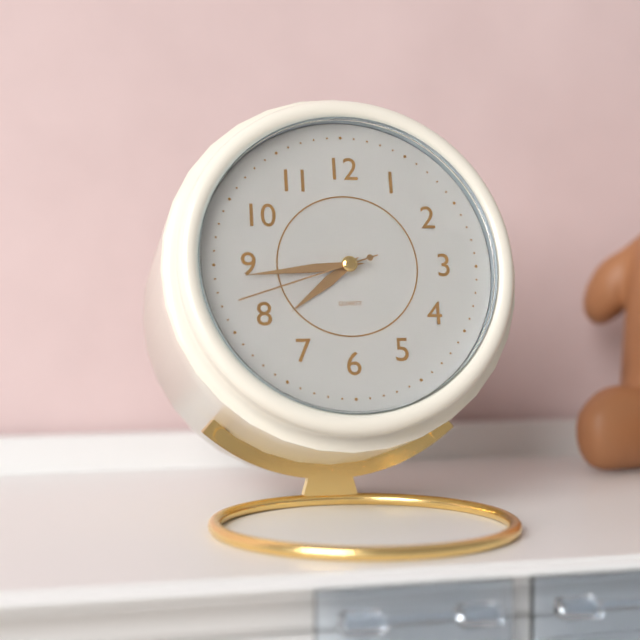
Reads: 7:44:42
